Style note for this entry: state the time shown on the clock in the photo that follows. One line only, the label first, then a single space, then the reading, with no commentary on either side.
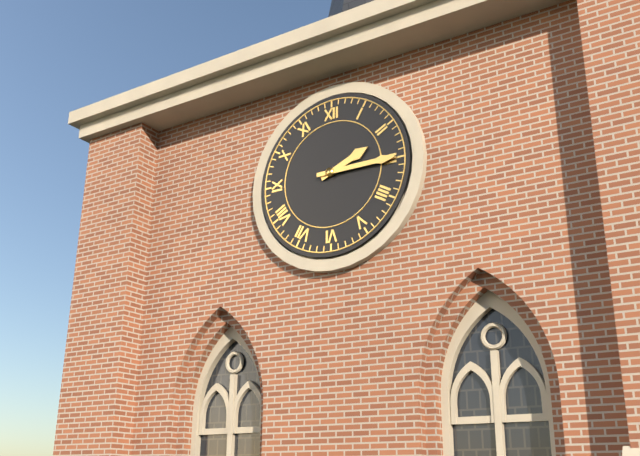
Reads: 2:15
